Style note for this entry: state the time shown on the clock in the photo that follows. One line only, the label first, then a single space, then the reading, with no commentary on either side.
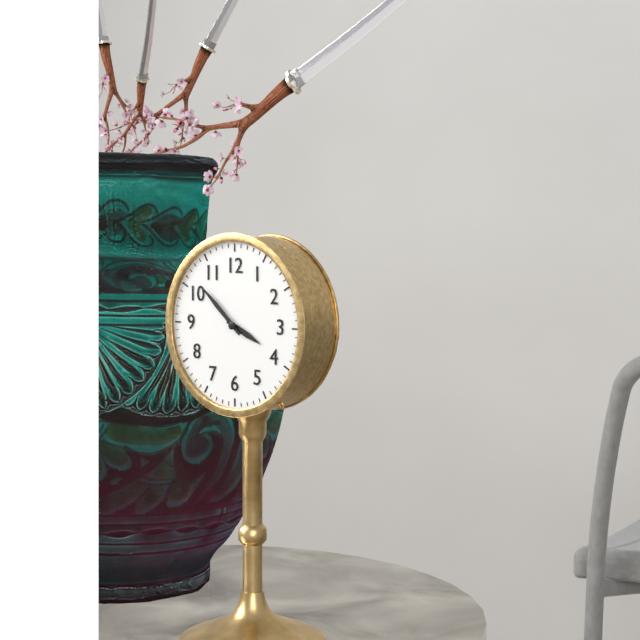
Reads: 3:52
